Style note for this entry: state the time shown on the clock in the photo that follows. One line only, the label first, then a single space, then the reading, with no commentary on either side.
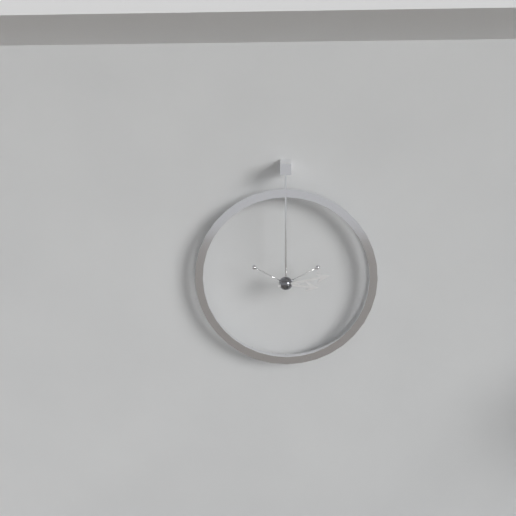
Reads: 3:13
